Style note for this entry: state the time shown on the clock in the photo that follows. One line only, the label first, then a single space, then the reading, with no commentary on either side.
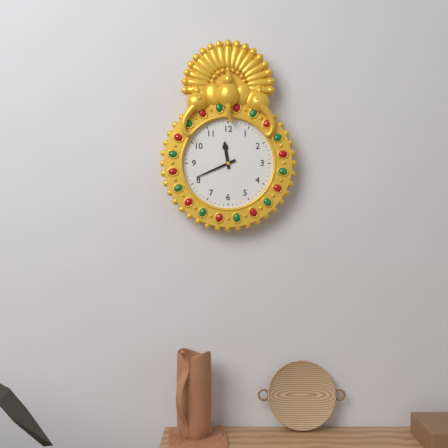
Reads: 11:41
